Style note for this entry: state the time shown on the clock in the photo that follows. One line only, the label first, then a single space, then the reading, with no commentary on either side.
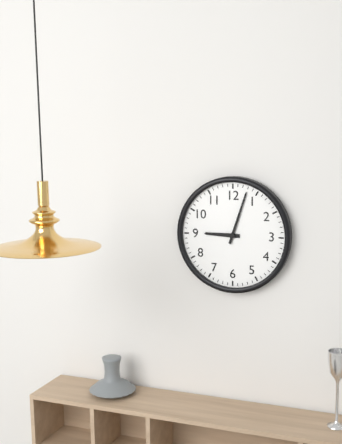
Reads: 9:03
